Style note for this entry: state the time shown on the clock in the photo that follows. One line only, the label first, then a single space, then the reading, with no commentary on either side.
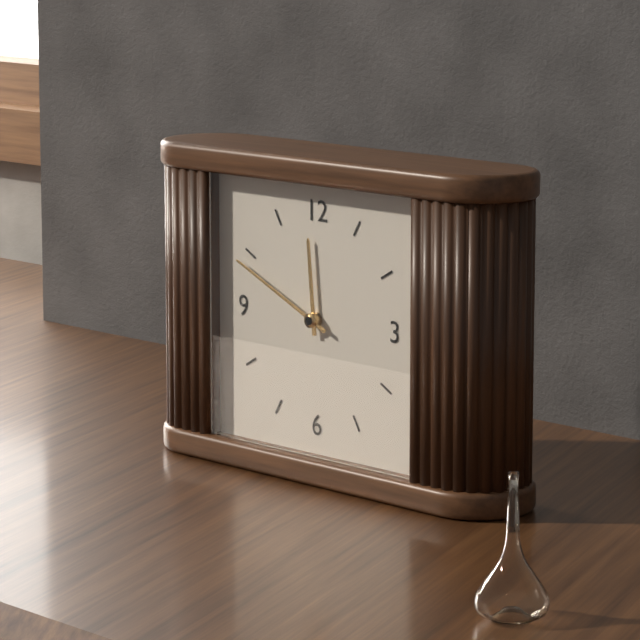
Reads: 11:49
